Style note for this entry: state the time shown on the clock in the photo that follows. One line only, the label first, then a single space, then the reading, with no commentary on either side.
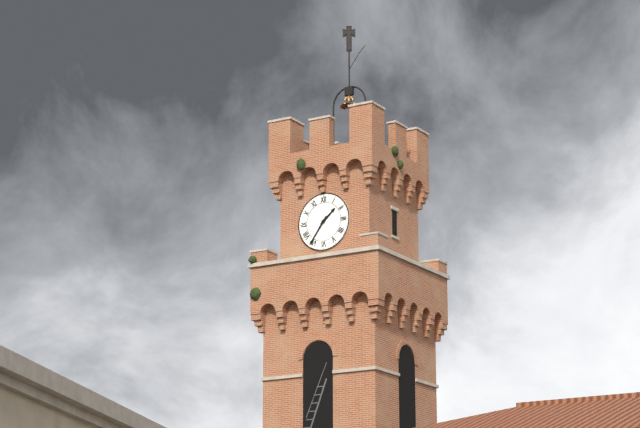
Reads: 1:36
